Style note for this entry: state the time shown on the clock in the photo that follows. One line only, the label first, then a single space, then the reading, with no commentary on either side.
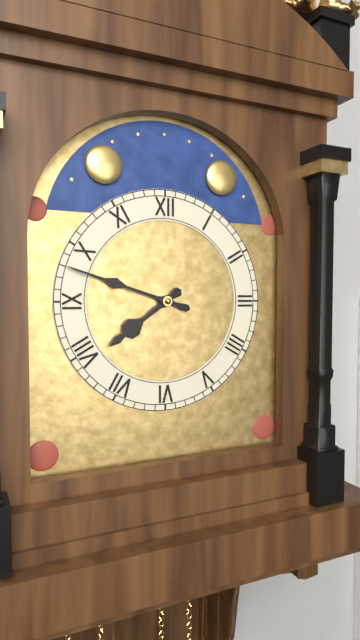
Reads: 7:48
